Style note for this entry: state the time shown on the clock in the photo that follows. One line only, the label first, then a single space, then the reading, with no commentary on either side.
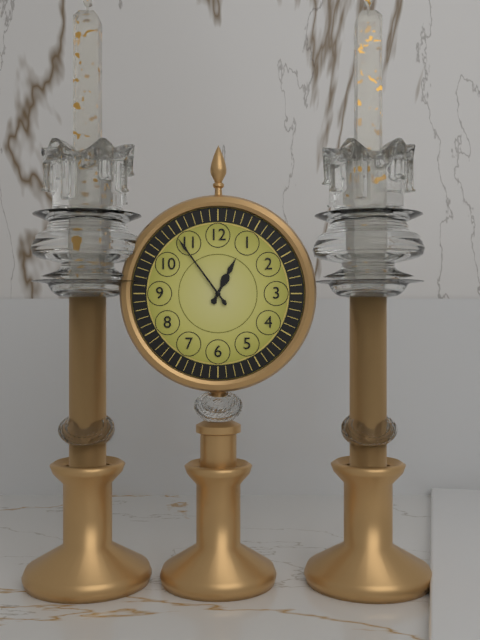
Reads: 12:54
